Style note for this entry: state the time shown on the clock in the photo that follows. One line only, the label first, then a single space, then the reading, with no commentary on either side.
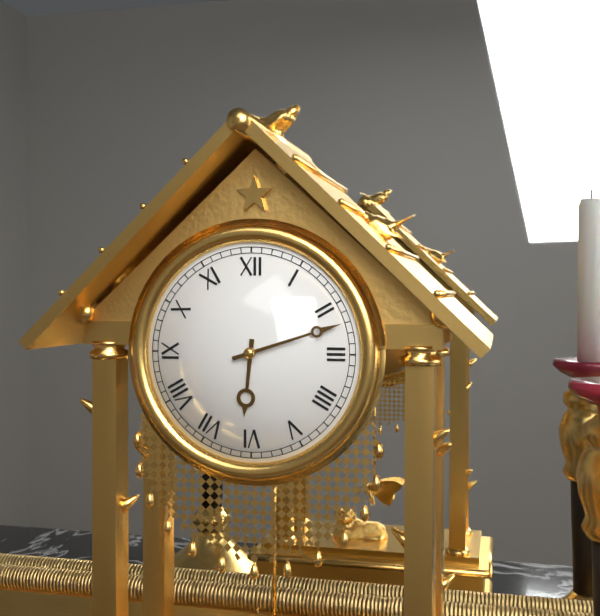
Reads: 6:12
